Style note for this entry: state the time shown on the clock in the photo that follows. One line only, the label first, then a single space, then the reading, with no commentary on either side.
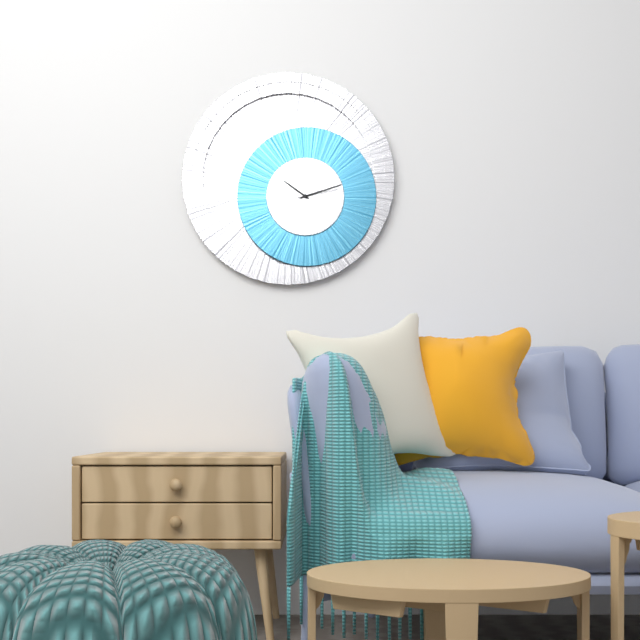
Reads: 10:12
